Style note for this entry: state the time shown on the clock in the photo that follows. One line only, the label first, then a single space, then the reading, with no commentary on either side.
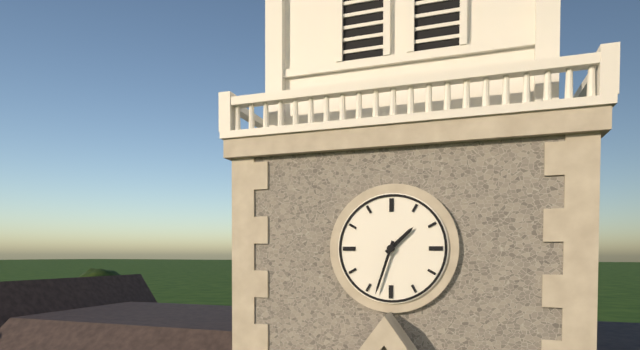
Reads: 1:33
